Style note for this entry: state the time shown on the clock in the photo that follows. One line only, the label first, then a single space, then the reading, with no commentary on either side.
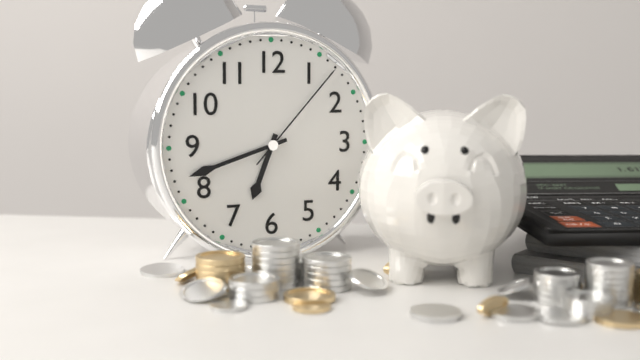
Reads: 6:42:07
